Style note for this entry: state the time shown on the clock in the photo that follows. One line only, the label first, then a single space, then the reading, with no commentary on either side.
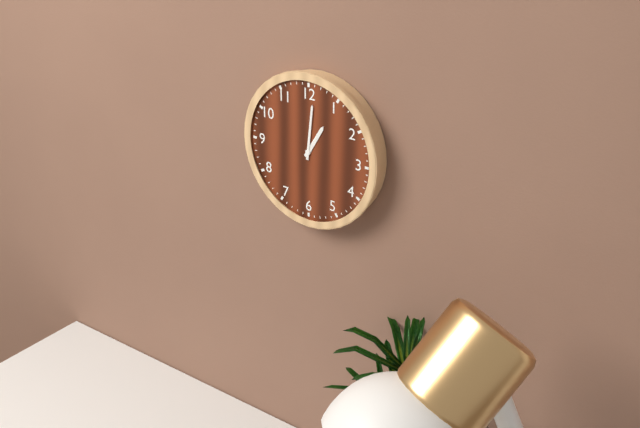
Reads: 1:01
